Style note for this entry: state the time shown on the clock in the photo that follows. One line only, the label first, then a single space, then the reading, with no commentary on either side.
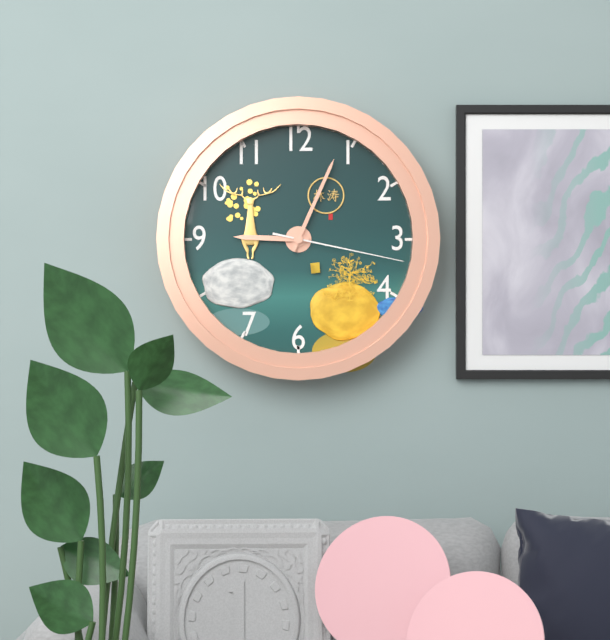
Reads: 9:04:17
